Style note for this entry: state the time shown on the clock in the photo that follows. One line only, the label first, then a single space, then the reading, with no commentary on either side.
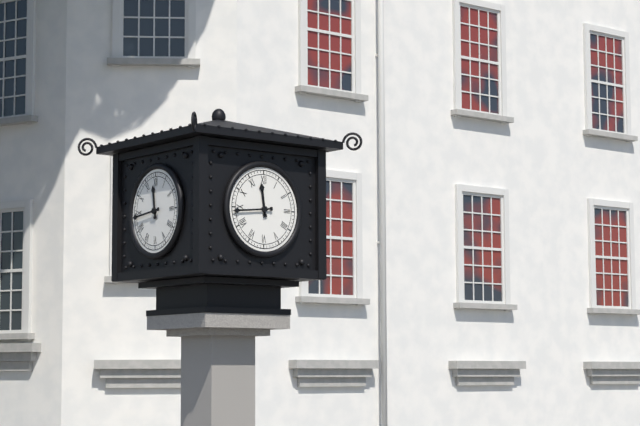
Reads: 11:44
